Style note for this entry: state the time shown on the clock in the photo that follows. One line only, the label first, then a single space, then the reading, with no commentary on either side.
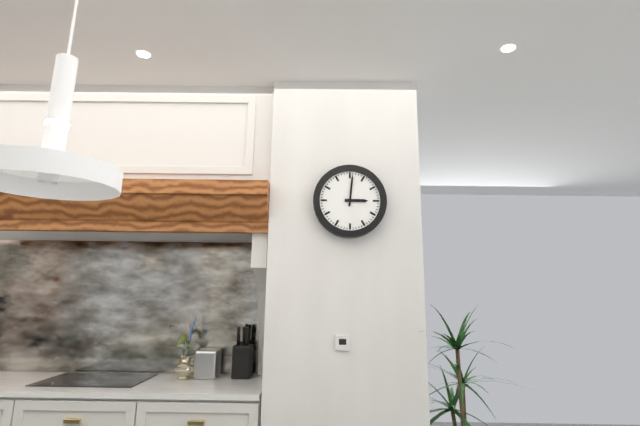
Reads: 3:01
